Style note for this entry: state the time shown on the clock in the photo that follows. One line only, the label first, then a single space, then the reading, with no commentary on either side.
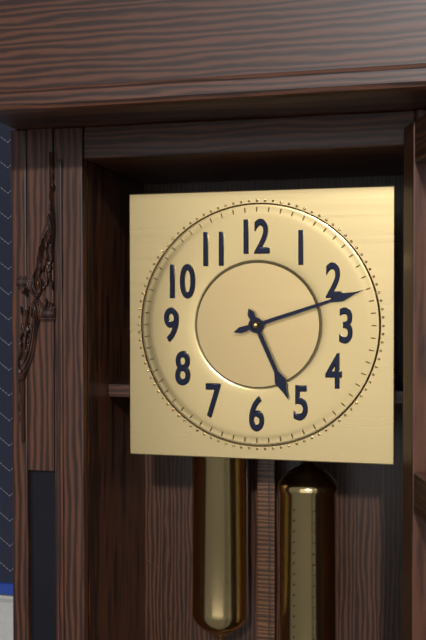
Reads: 5:12
